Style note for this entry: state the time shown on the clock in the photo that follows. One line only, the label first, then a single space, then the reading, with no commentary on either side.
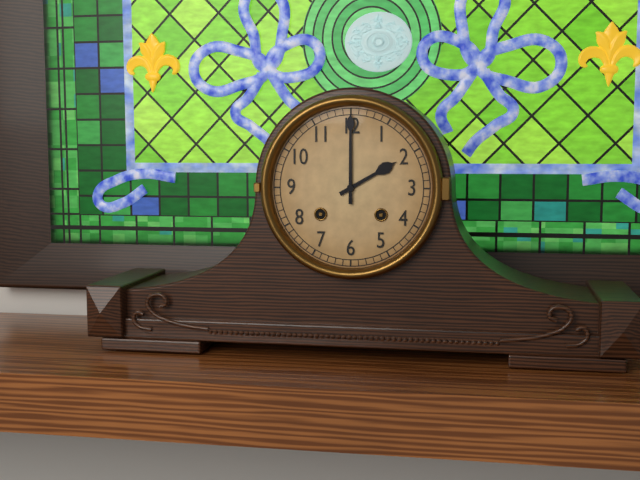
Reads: 2:00
